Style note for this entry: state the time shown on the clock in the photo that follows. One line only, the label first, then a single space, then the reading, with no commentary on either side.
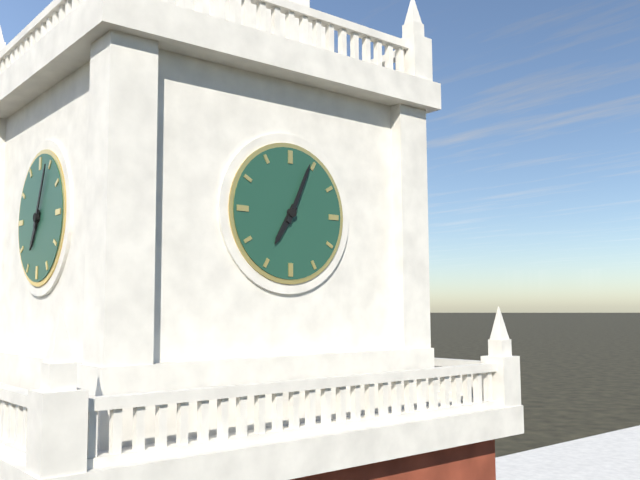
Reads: 7:04
